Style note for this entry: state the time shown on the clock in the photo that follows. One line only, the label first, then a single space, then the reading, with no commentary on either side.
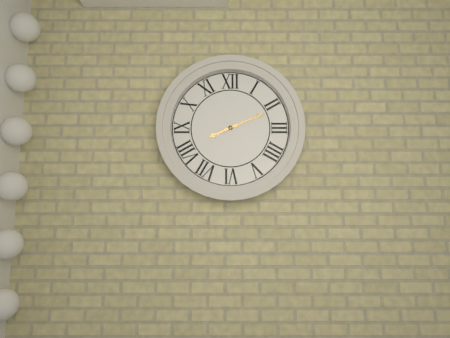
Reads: 8:11
